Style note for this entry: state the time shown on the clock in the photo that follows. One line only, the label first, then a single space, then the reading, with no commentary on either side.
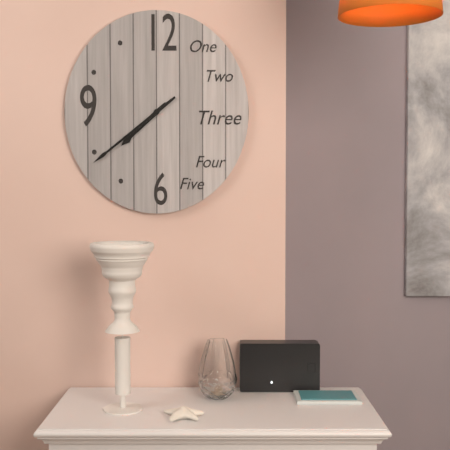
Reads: 7:39
